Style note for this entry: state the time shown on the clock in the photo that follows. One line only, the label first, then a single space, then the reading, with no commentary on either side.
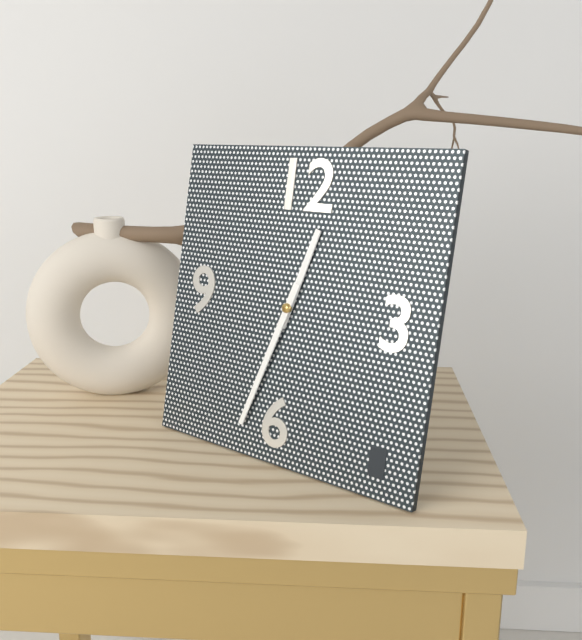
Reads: 12:33
